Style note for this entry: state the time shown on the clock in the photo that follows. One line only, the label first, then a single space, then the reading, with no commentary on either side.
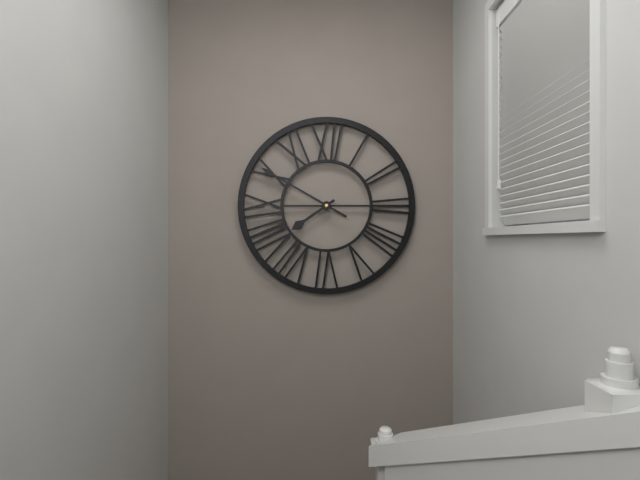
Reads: 7:50
